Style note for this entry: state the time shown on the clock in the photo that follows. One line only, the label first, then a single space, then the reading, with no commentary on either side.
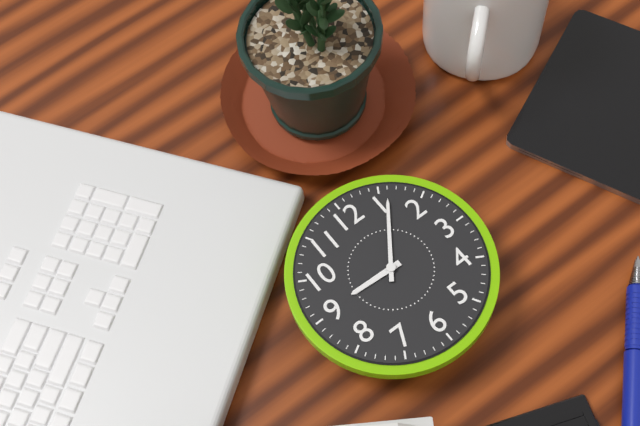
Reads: 9:06
